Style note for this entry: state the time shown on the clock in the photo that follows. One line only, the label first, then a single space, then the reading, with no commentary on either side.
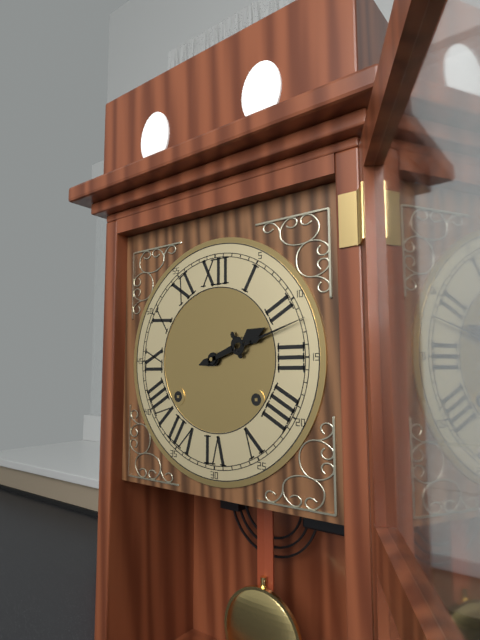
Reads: 2:12
